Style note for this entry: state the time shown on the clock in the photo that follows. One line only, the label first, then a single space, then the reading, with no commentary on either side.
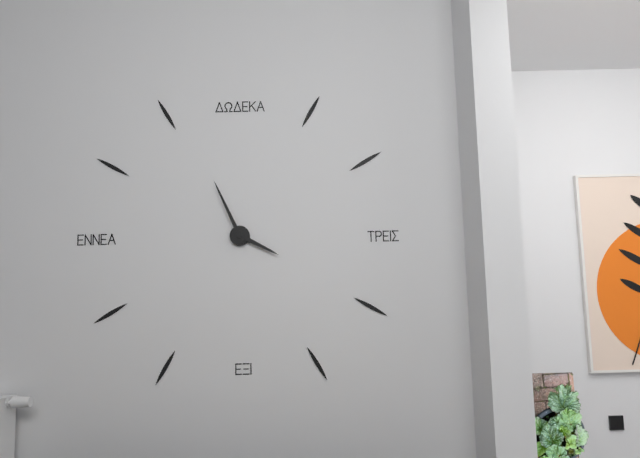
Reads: 3:56
